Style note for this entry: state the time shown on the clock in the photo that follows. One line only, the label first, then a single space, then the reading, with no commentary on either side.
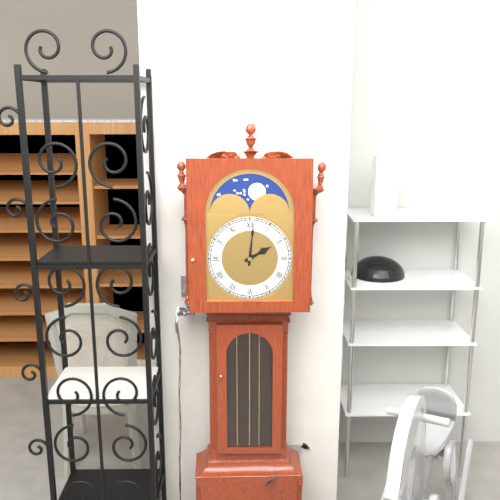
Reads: 2:01
